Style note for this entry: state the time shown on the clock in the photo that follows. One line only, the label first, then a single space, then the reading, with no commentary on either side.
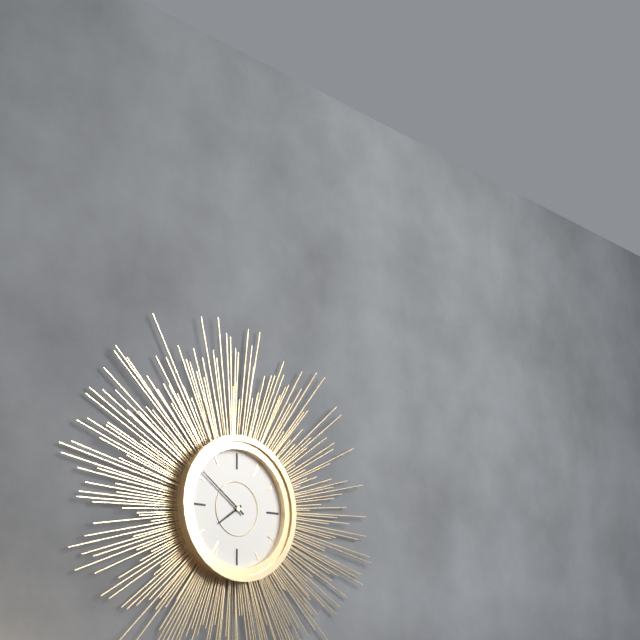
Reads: 7:51
